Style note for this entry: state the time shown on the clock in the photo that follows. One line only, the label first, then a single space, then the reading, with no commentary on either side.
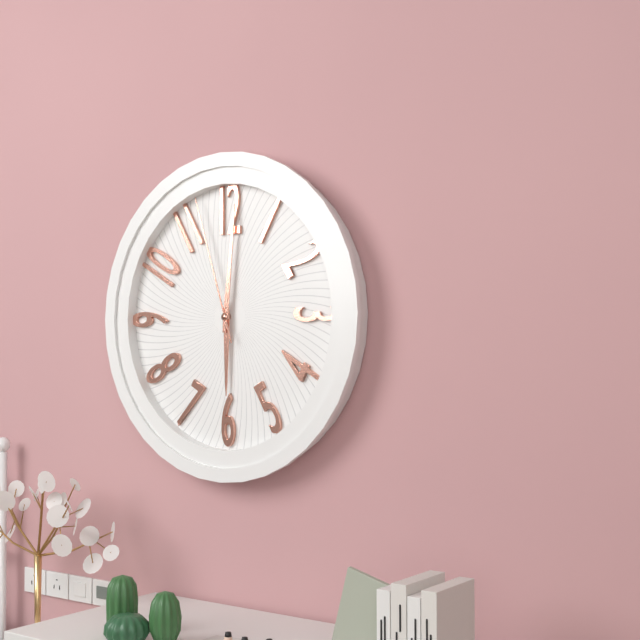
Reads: 6:01:57
